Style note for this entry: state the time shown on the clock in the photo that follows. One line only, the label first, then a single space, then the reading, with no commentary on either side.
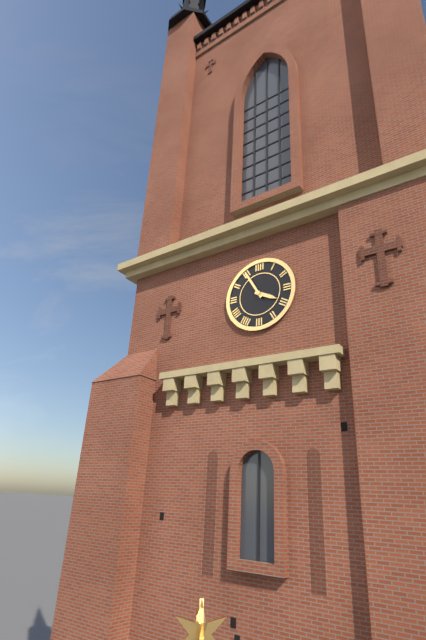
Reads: 3:55
